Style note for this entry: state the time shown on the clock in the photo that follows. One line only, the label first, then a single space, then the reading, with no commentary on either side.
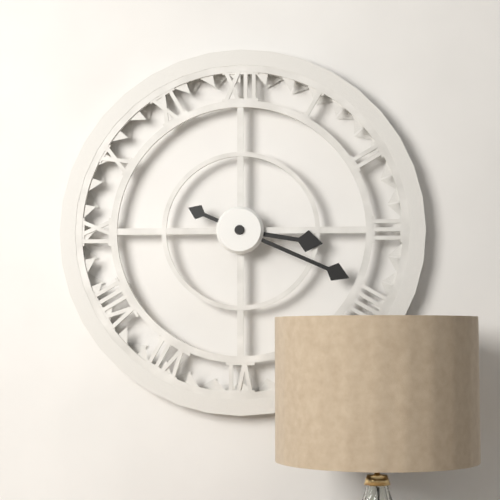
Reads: 3:19
